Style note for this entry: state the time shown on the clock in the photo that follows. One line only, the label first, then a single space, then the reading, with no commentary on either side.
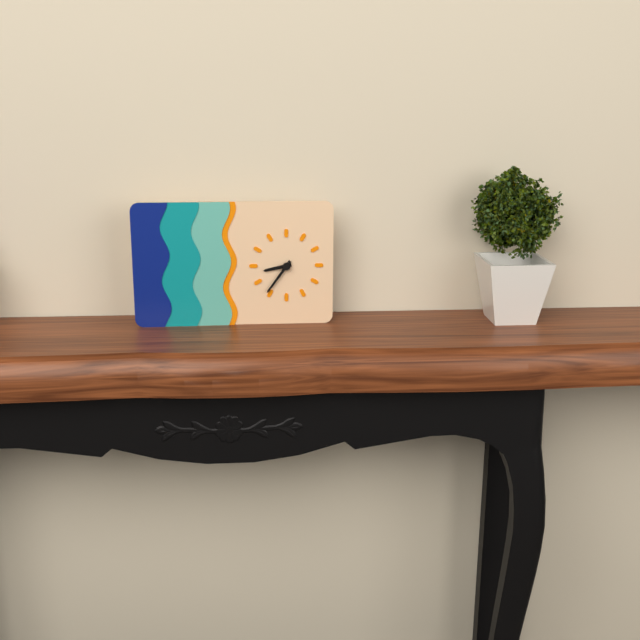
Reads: 8:36
